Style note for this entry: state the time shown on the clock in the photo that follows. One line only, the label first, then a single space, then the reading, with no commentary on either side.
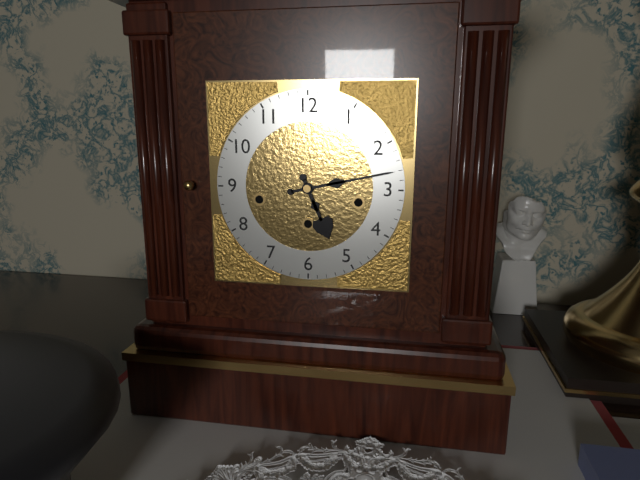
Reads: 5:13
